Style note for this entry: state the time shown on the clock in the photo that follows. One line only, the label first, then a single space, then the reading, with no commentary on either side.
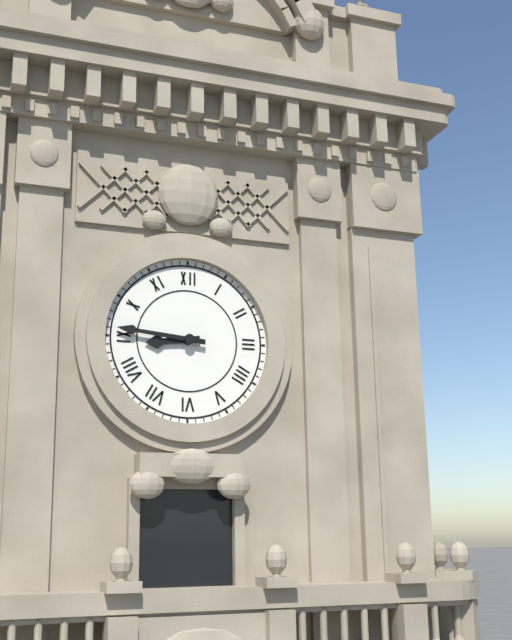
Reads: 8:46
